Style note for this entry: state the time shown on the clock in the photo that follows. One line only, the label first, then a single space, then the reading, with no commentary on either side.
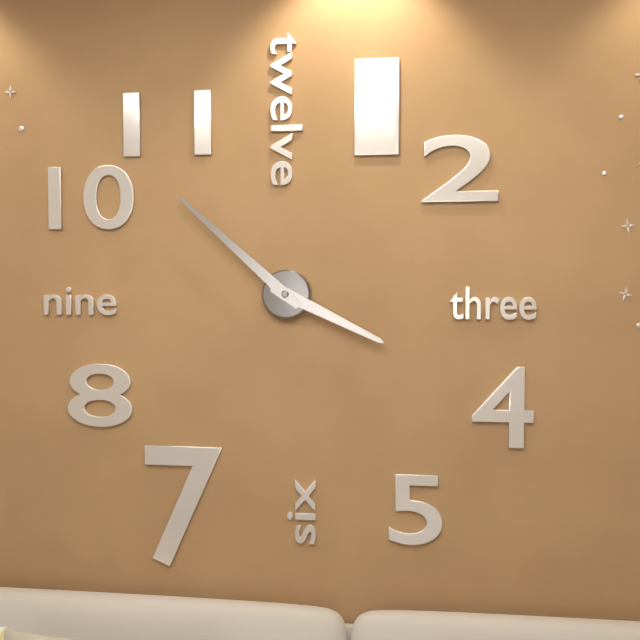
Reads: 3:52
